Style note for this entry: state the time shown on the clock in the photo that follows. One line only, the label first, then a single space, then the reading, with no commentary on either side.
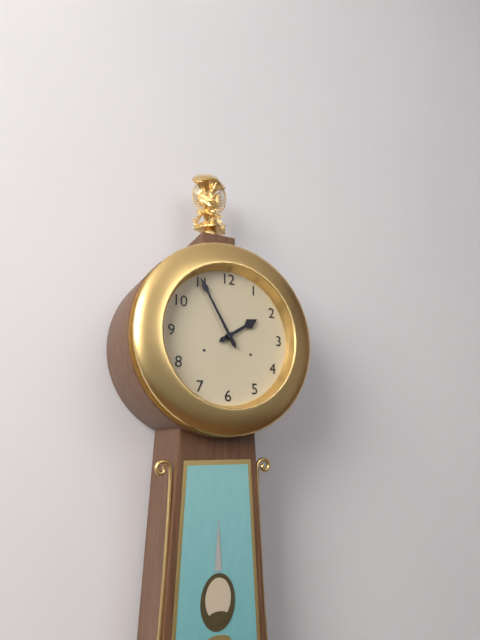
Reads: 1:55
